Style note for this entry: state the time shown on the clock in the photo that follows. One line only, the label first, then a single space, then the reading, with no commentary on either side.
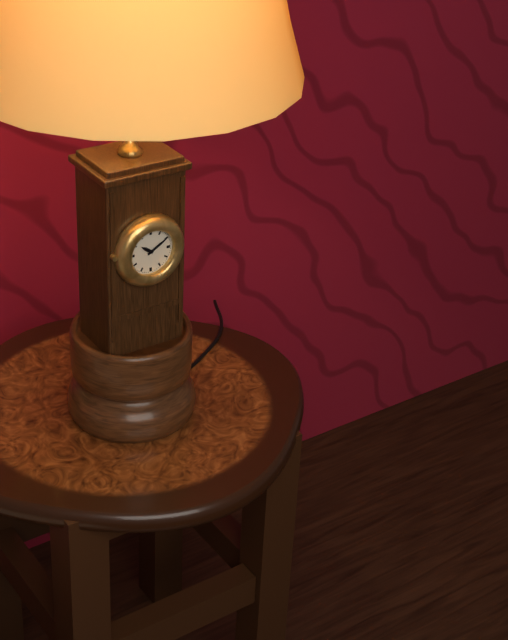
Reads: 10:10
